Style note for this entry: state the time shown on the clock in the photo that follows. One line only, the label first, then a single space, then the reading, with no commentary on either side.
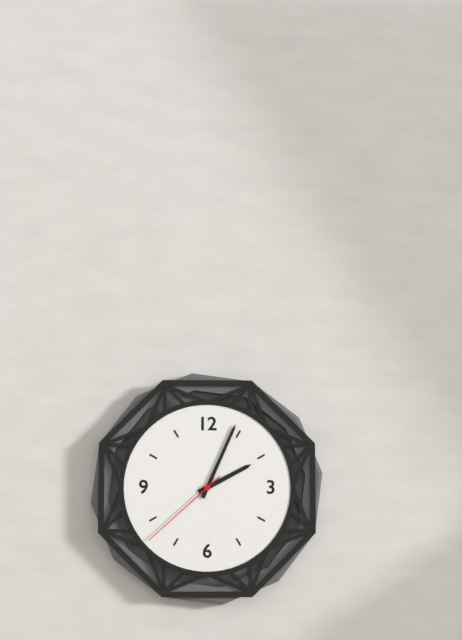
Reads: 2:04:38
